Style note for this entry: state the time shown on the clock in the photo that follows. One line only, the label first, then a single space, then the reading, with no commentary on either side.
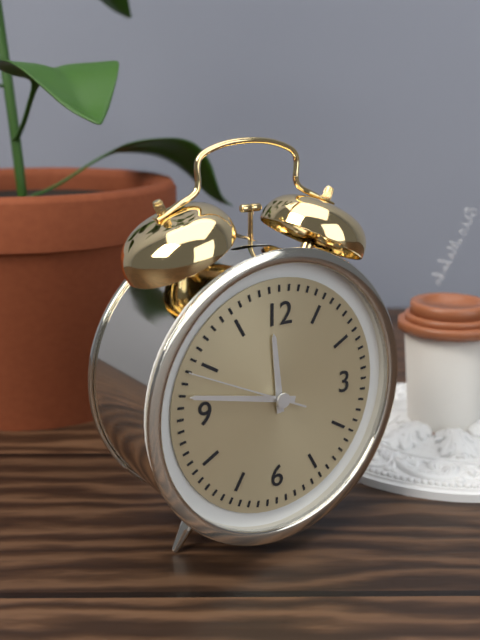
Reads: 11:47:49
